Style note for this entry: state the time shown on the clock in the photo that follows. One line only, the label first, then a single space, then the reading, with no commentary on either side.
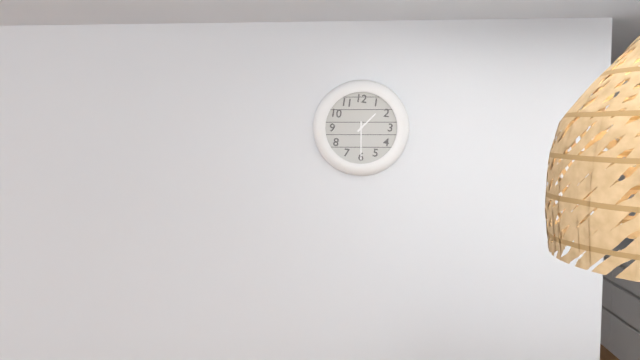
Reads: 1:30
